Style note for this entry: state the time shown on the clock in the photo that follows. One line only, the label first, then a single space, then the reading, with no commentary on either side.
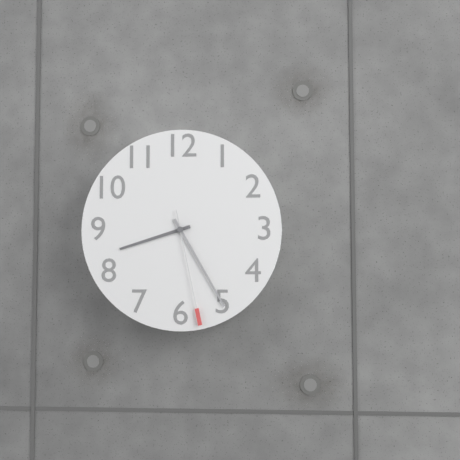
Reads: 8:25:28
